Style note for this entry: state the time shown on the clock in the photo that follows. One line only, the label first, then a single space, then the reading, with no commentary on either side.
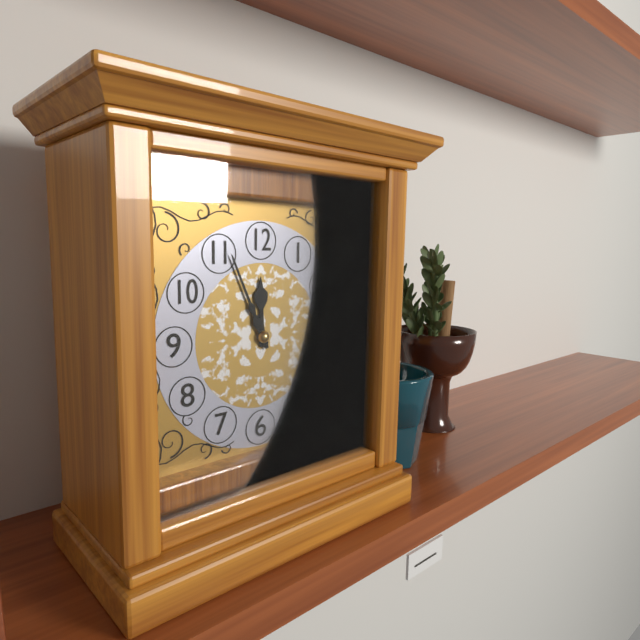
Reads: 11:56
